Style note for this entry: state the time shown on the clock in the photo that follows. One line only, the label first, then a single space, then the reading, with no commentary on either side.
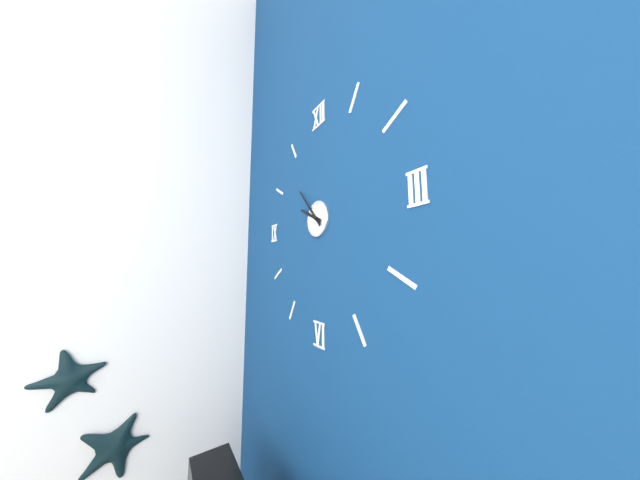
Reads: 9:53
